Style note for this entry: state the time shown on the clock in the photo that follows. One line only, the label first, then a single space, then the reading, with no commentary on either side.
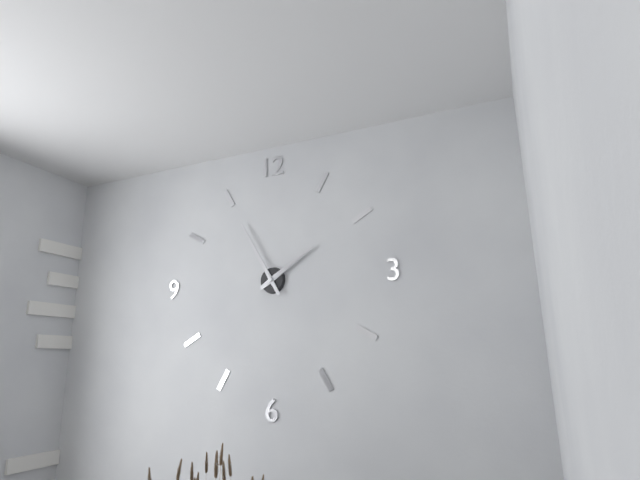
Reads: 1:55
